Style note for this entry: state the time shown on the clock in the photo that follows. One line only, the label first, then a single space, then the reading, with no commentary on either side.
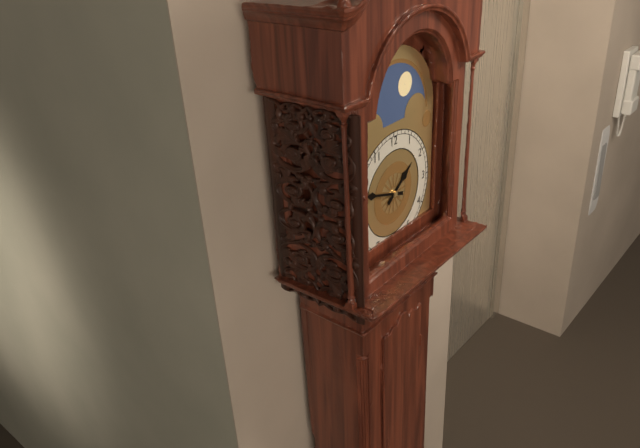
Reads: 1:48
